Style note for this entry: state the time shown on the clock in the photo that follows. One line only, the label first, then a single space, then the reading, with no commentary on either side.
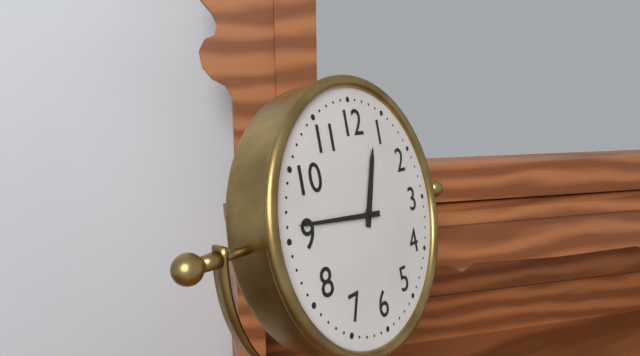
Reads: 12:46
